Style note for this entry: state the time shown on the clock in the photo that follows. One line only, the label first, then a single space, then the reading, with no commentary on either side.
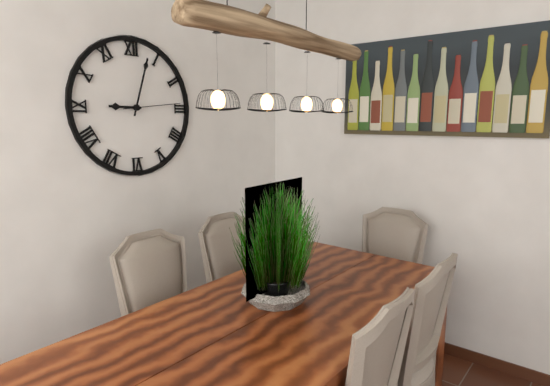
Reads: 9:03:14
